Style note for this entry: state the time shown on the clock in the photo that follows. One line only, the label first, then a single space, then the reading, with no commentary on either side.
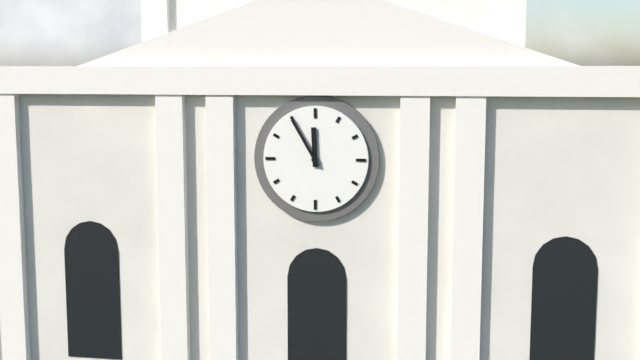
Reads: 11:55
